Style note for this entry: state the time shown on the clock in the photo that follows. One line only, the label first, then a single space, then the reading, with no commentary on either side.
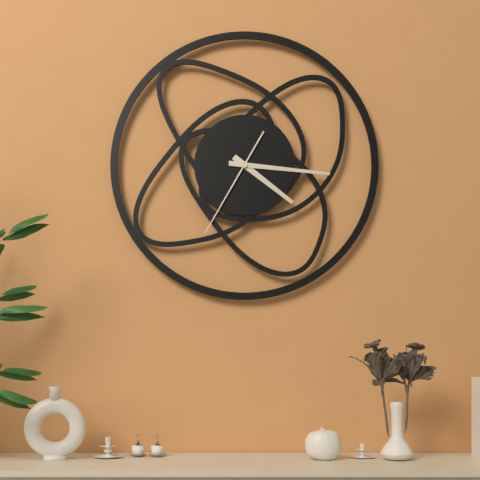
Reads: 4:16:35
